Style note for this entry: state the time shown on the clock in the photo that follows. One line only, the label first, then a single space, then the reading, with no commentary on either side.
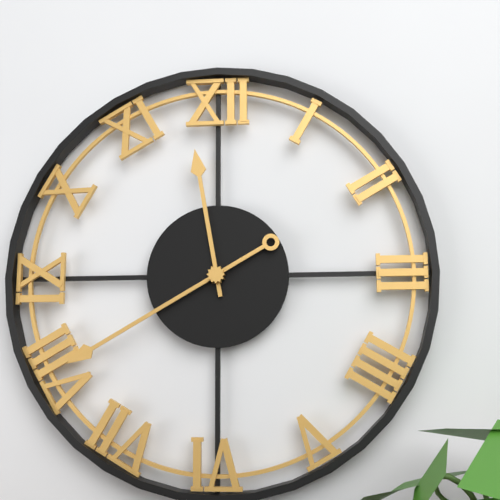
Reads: 11:40
